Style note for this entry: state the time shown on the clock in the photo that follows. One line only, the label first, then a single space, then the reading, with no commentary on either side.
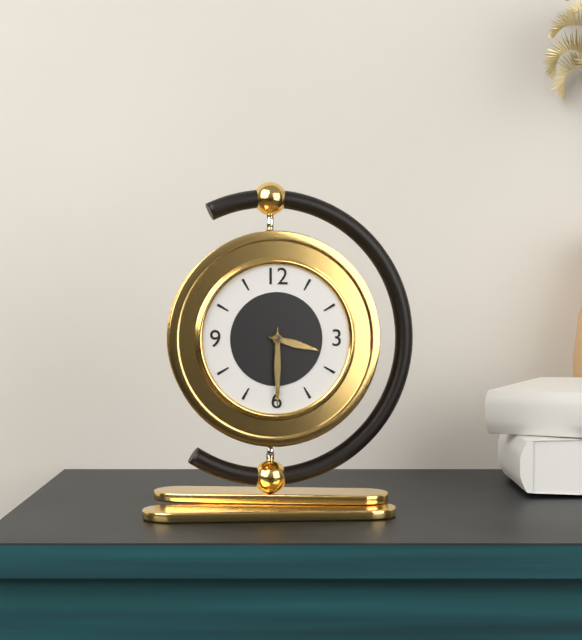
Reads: 3:30
